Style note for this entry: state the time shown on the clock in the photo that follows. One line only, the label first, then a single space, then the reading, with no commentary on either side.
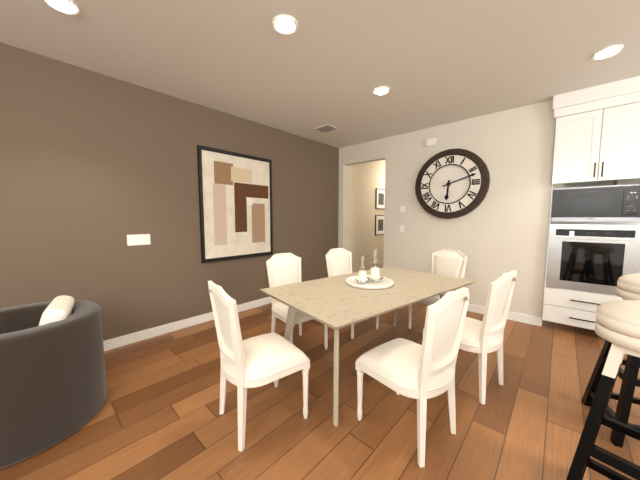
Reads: 6:12
